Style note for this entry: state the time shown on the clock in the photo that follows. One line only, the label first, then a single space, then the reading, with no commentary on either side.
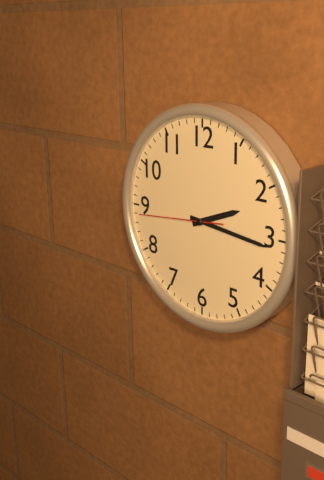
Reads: 2:16:44
